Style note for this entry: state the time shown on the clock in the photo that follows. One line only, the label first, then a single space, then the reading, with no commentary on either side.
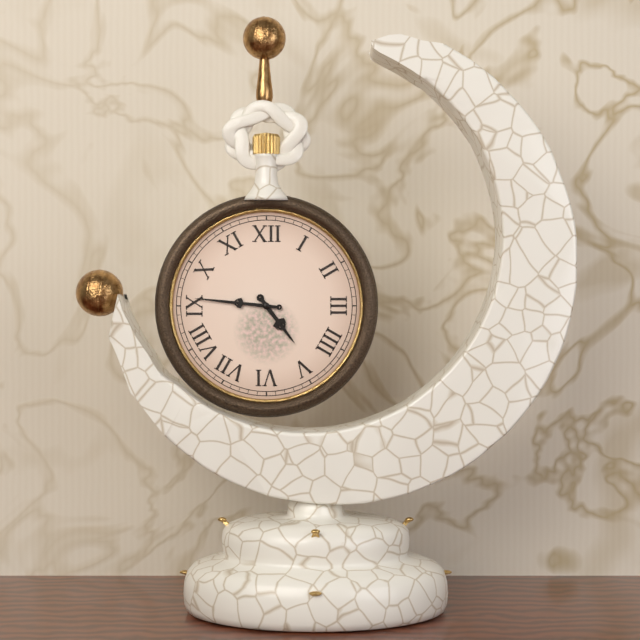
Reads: 4:46
